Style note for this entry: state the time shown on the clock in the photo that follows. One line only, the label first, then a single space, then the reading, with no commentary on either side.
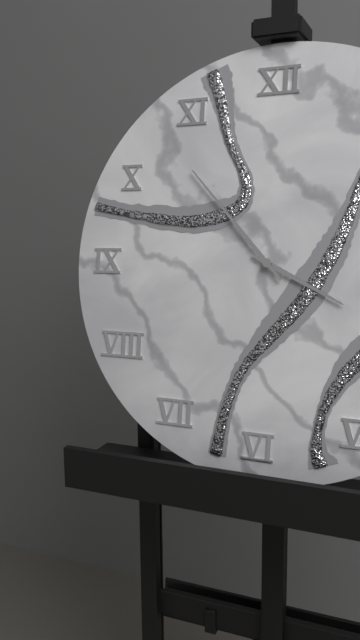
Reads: 3:53
